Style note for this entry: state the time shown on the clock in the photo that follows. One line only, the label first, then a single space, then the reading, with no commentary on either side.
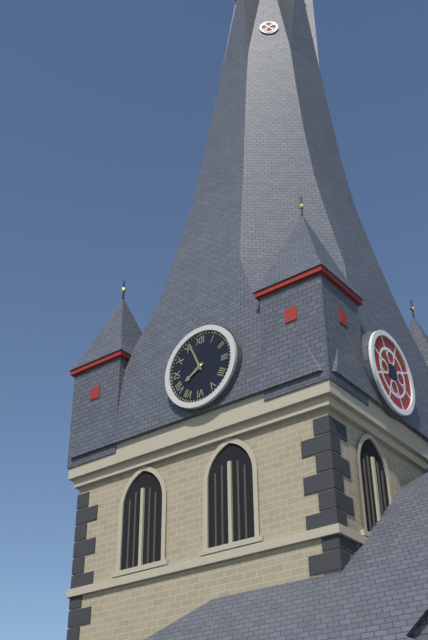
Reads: 7:56
